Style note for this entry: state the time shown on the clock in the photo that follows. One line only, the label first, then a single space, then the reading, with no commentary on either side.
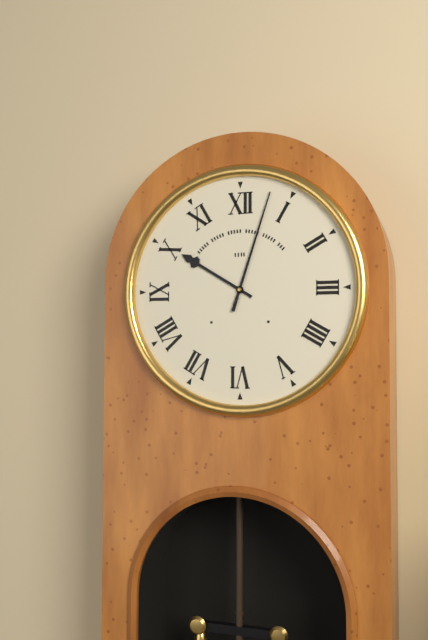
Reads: 10:03
